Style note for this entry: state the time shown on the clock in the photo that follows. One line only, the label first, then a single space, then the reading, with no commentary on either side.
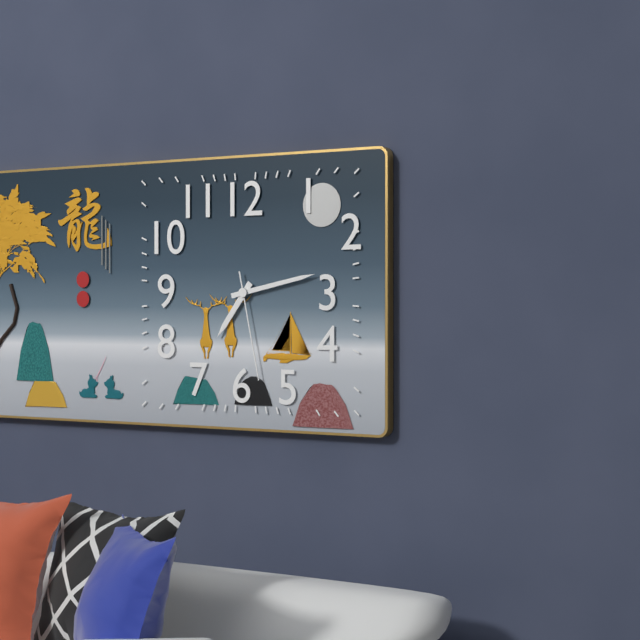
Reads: 7:13:28
